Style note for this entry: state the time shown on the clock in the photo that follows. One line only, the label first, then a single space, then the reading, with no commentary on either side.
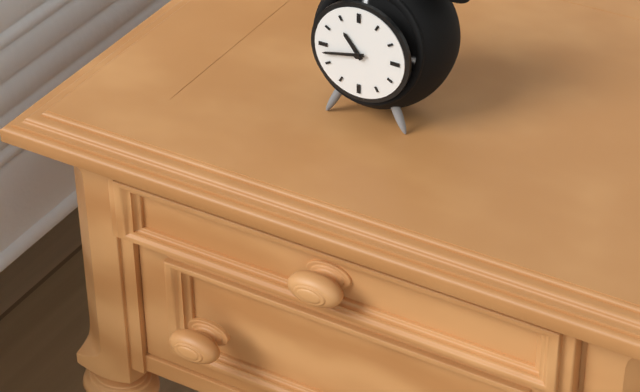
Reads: 10:43
